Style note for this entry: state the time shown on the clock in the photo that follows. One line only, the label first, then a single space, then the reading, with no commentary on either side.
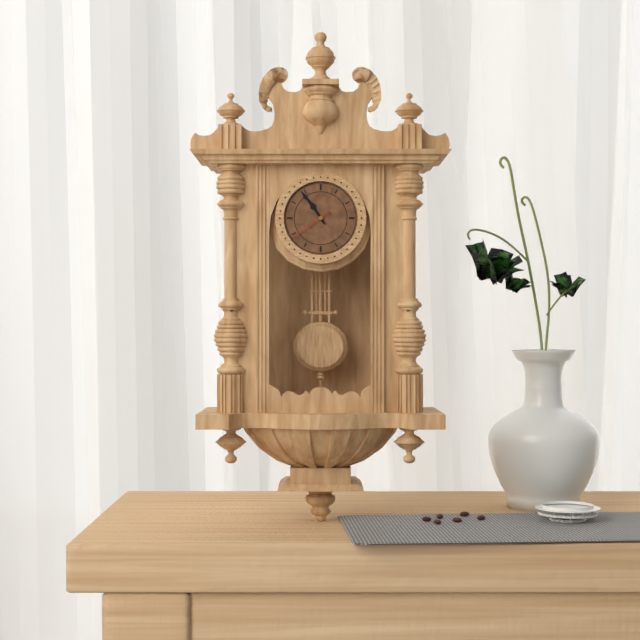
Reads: 10:54
